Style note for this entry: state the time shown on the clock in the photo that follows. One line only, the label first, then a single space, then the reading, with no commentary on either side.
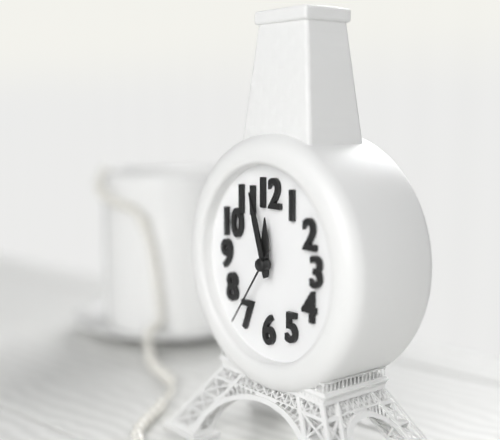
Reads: 11:57:36
